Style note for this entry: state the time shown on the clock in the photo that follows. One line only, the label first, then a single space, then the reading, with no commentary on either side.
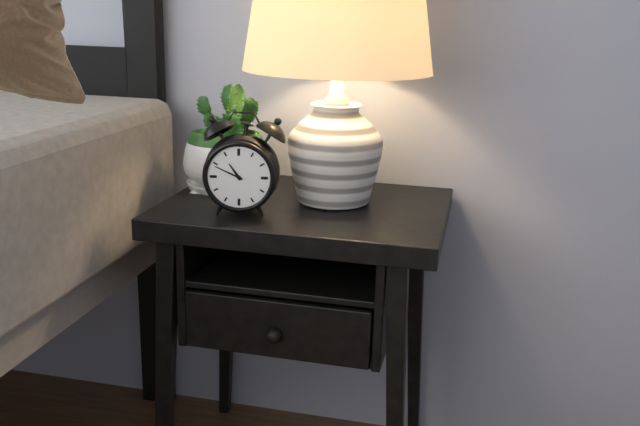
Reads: 10:49
